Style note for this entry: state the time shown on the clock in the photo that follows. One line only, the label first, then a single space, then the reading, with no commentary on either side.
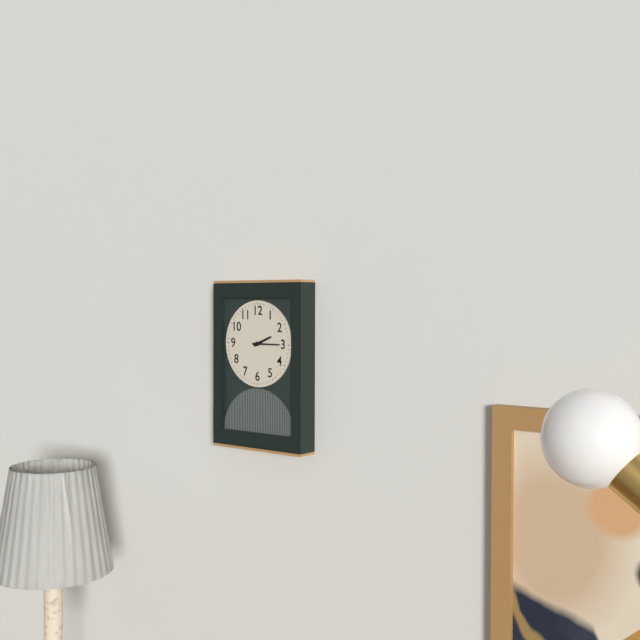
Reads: 2:15
